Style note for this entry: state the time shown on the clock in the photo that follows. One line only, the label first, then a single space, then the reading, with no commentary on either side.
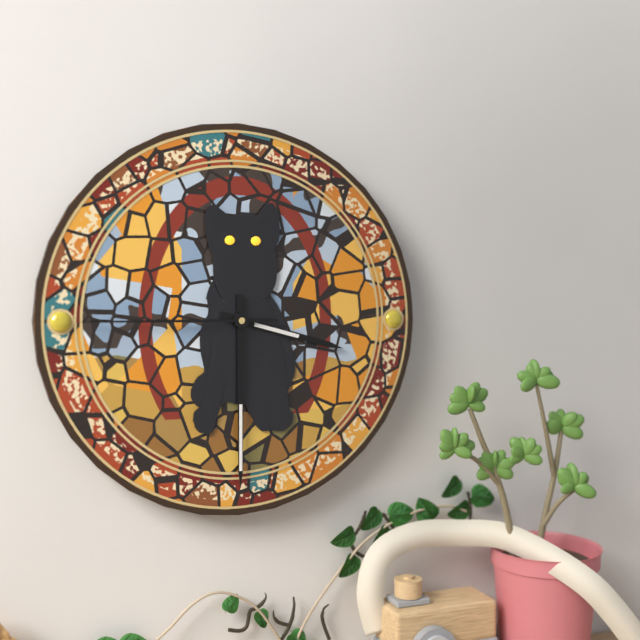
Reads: 3:30:45
